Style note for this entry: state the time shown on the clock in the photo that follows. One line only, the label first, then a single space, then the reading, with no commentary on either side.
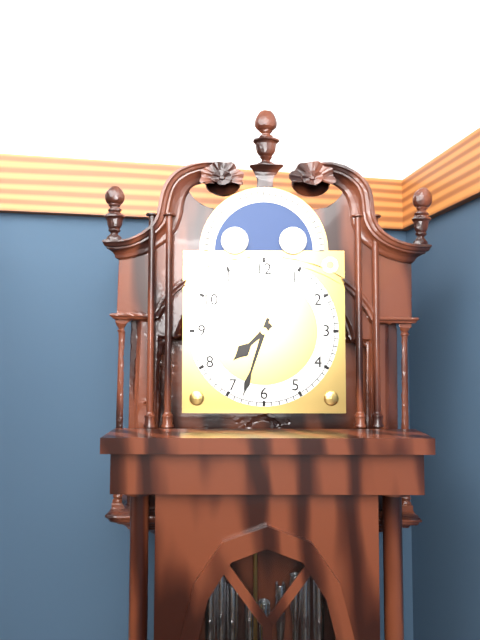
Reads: 7:33
